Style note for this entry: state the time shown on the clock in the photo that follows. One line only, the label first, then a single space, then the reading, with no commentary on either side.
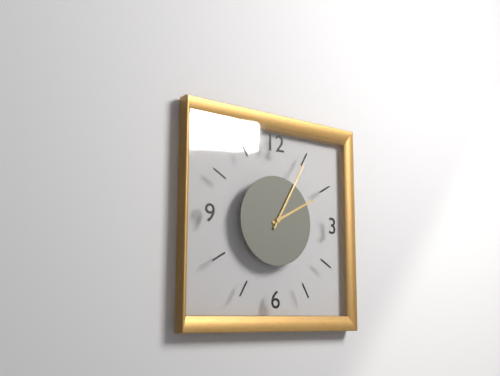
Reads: 2:05
